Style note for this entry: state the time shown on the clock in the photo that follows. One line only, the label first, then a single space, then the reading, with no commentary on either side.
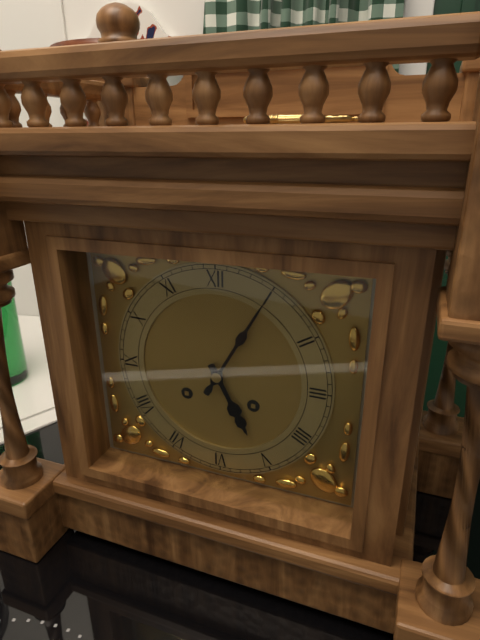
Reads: 5:05
